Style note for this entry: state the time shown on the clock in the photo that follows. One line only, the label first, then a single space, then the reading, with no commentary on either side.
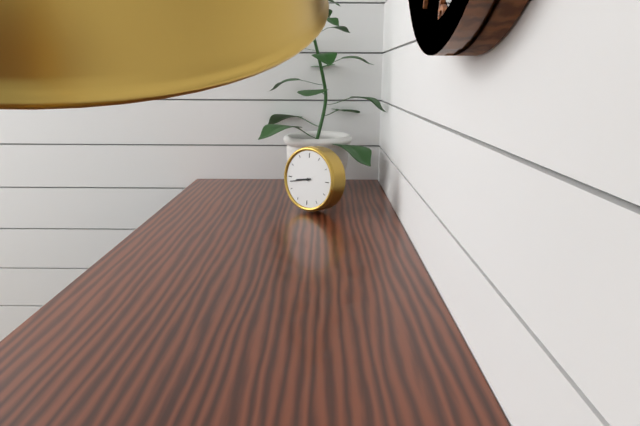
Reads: 8:43
